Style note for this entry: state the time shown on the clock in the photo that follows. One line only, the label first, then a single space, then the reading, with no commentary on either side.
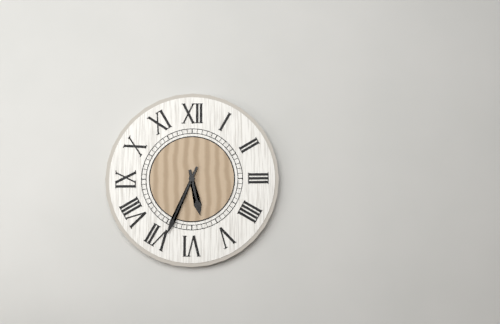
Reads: 5:34
